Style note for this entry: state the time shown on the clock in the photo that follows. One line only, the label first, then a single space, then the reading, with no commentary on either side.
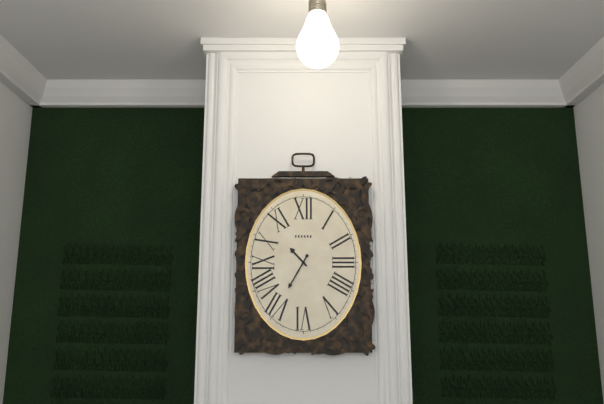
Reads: 10:35
